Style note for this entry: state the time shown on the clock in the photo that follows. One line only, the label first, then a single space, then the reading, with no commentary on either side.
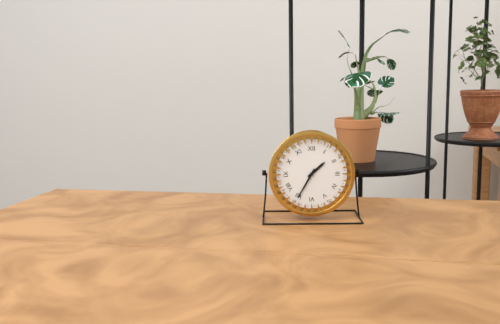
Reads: 1:35
